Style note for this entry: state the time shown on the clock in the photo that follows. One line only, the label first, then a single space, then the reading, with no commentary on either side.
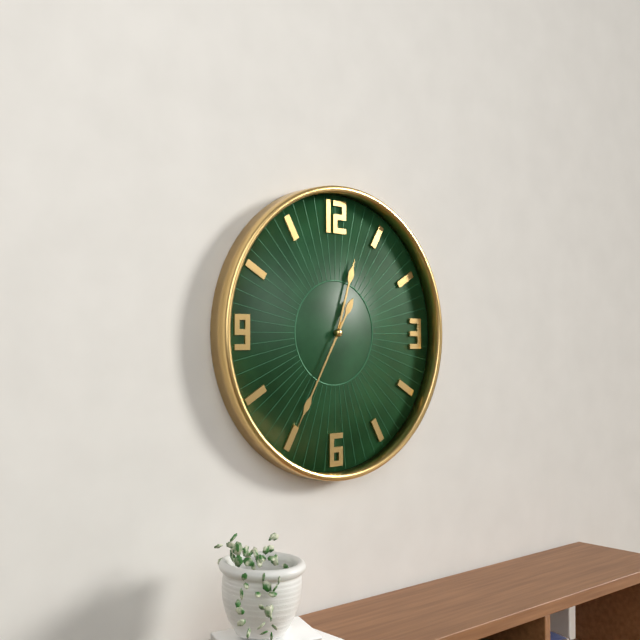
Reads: 12:35
